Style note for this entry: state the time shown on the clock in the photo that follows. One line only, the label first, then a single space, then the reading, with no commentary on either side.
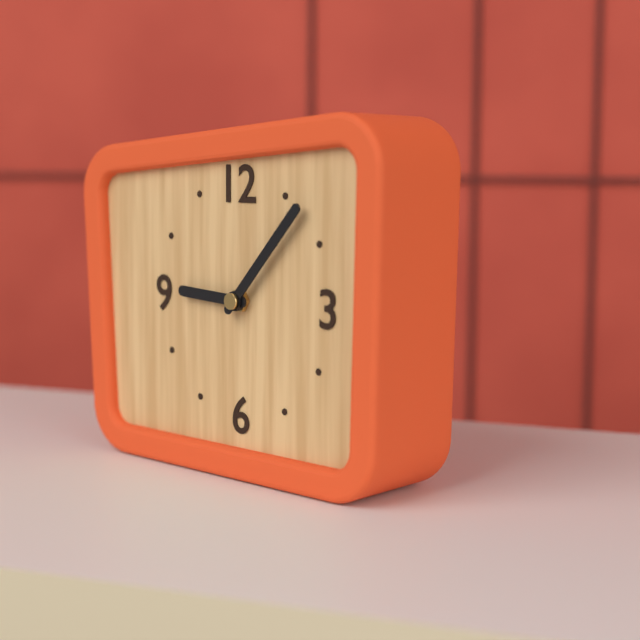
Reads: 9:07
